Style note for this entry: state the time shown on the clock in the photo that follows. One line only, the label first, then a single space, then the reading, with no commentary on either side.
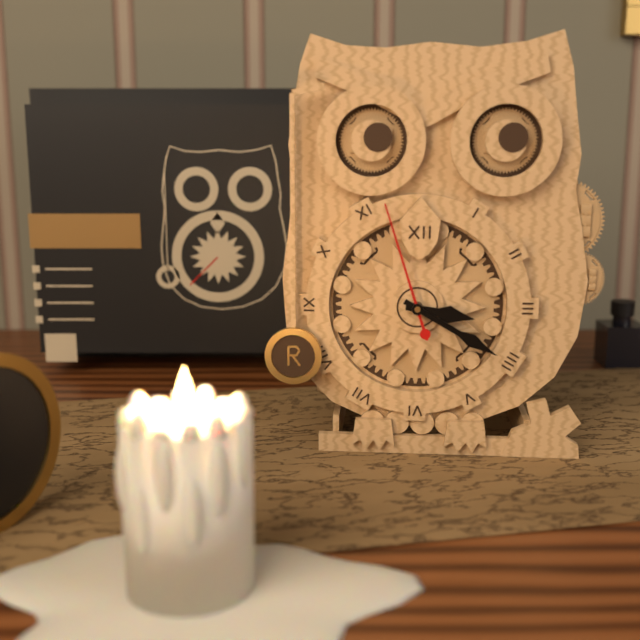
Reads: 3:20:57
